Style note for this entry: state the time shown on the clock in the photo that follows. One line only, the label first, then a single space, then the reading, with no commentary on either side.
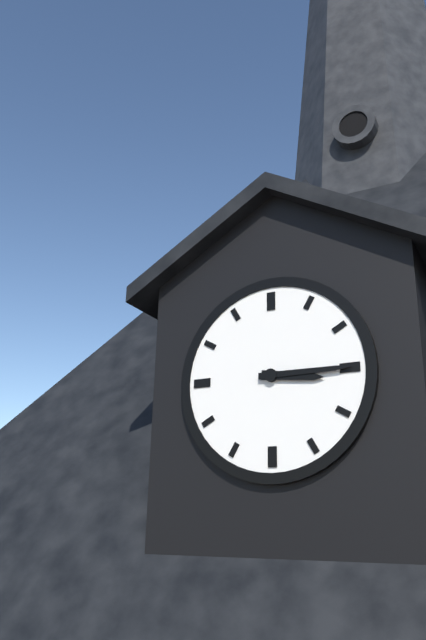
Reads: 3:15
